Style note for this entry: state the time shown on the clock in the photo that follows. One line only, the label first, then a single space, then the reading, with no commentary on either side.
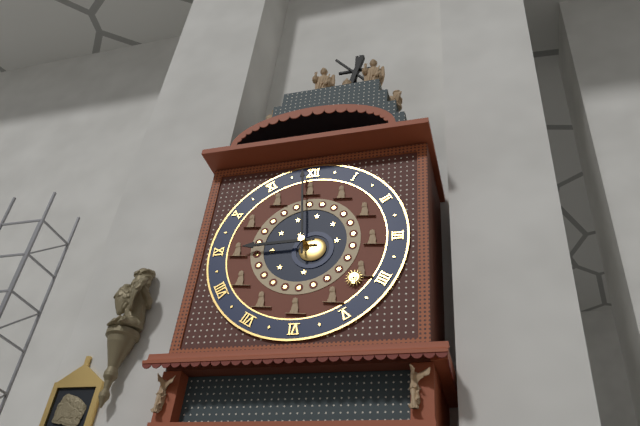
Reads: 8:59
